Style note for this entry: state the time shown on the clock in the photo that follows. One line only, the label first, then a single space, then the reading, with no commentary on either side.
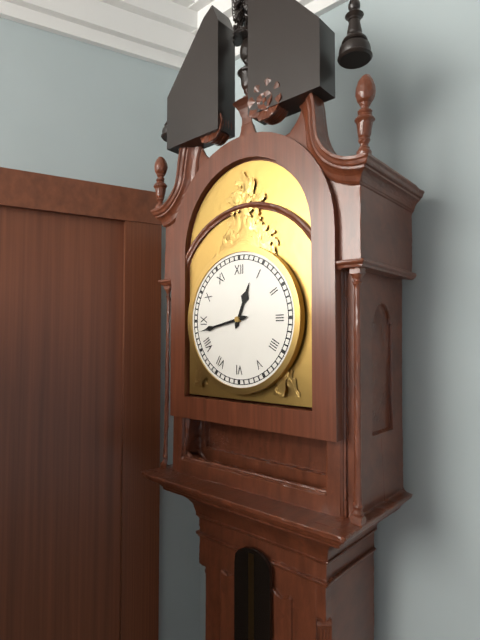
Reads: 12:43
